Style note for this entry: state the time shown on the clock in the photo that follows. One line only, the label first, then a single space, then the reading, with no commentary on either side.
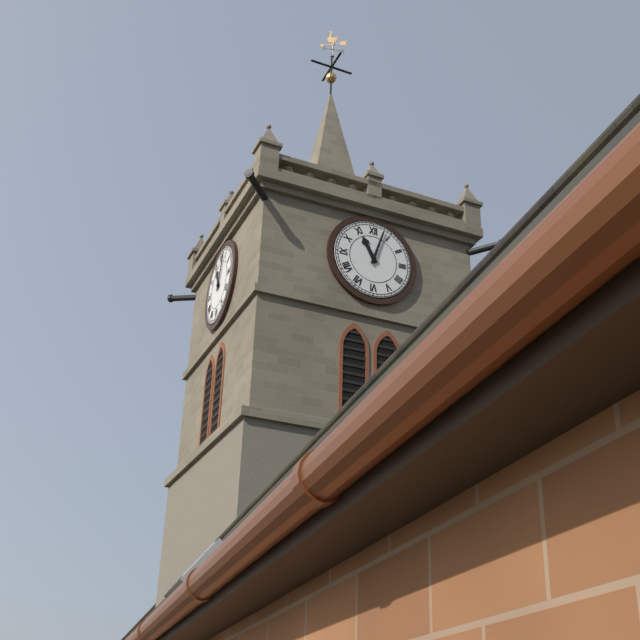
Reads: 11:03
